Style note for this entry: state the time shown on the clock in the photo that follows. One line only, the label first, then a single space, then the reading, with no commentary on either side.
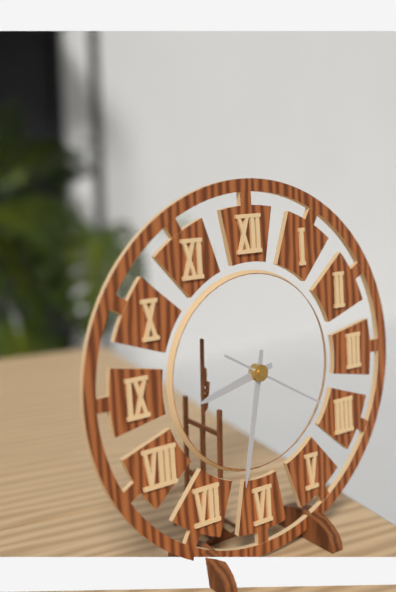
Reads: 8:32:20
